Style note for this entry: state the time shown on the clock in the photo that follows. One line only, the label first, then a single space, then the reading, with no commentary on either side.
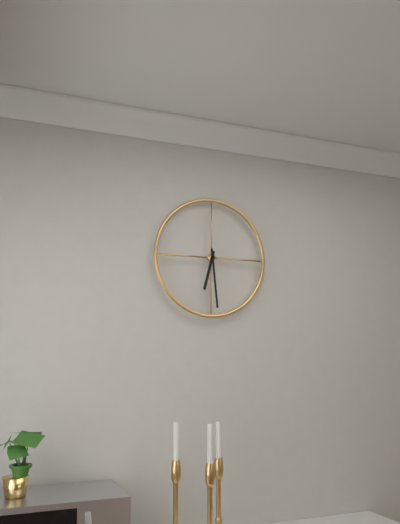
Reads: 6:29
